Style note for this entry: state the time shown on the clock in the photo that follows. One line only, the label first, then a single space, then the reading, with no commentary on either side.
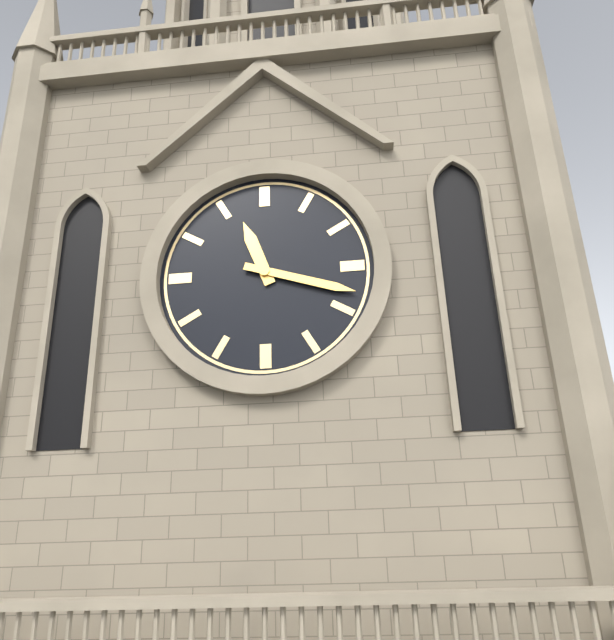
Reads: 11:18
